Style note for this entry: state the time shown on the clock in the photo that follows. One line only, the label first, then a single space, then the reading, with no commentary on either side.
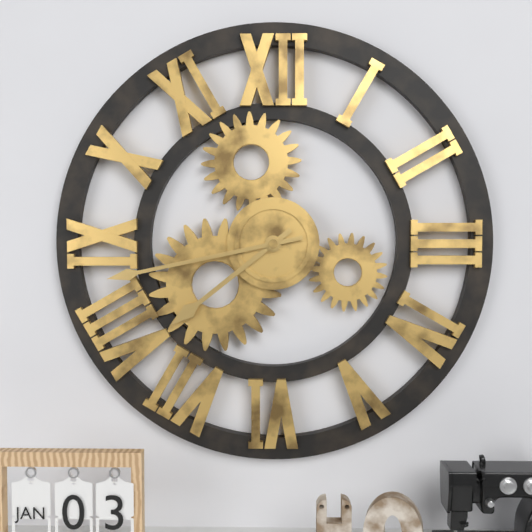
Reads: 7:43
